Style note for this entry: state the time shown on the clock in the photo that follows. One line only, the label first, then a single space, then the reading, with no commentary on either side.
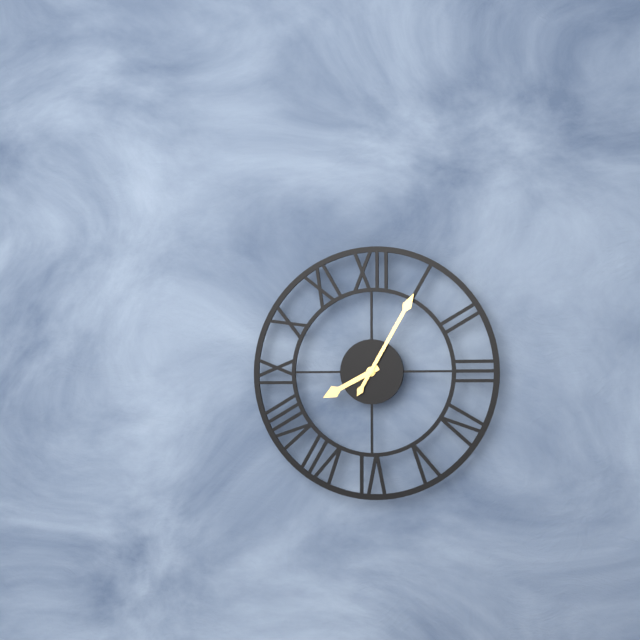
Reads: 8:05
